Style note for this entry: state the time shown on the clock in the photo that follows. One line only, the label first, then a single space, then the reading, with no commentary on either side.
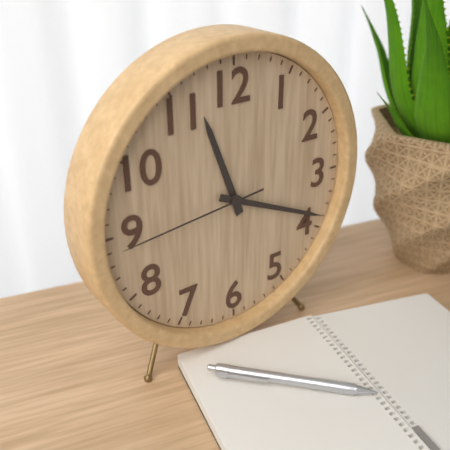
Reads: 11:19:44
